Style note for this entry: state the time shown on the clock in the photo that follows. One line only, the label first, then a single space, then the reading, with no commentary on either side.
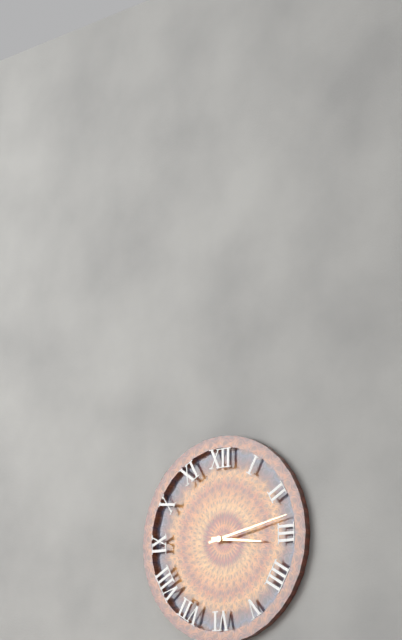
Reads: 3:13
